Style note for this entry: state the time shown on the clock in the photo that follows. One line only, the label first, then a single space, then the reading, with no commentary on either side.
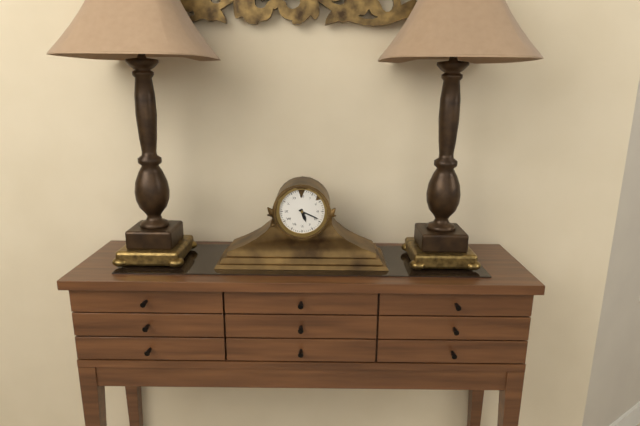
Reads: 5:19
